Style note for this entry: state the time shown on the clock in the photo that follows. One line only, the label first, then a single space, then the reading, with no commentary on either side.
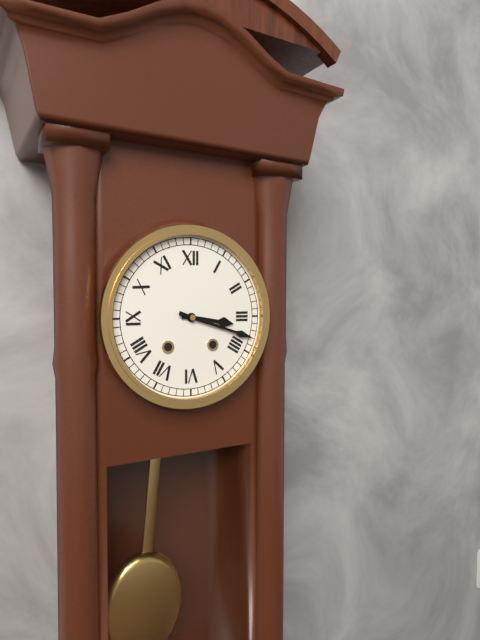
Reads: 3:18
